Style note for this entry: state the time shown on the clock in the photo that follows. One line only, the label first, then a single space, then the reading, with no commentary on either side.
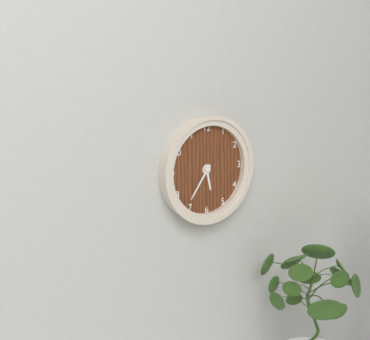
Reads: 5:36
